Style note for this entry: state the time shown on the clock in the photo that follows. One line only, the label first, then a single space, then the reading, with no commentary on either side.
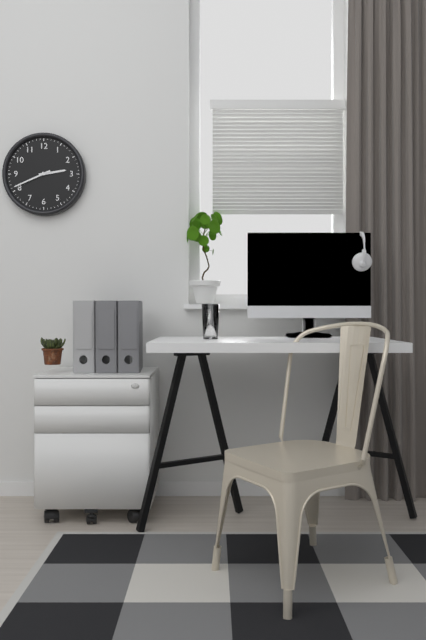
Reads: 2:41
